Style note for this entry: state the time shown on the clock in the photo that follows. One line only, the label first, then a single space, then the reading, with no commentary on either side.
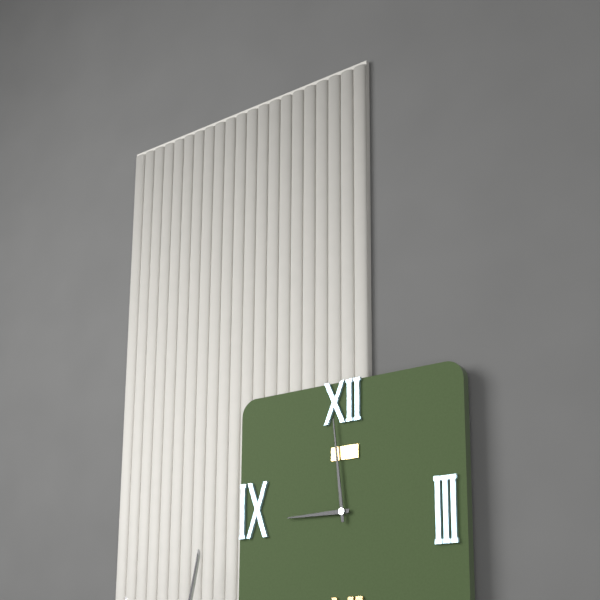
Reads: 8:59
